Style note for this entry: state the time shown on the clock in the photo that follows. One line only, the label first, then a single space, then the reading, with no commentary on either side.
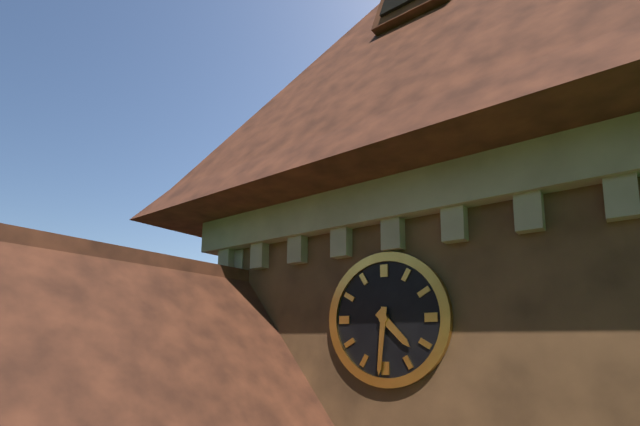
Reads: 4:31
